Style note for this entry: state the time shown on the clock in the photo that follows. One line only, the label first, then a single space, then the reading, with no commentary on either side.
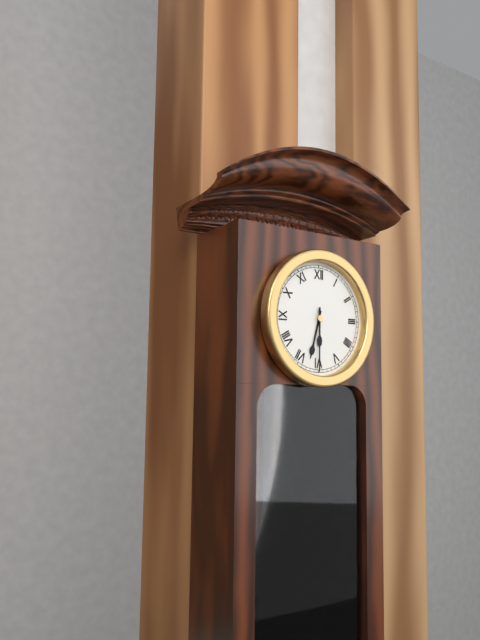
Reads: 6:30
